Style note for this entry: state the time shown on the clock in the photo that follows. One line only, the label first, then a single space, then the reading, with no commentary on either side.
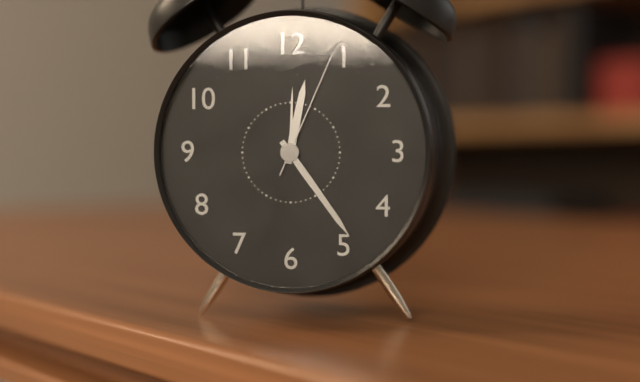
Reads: 12:24:04
